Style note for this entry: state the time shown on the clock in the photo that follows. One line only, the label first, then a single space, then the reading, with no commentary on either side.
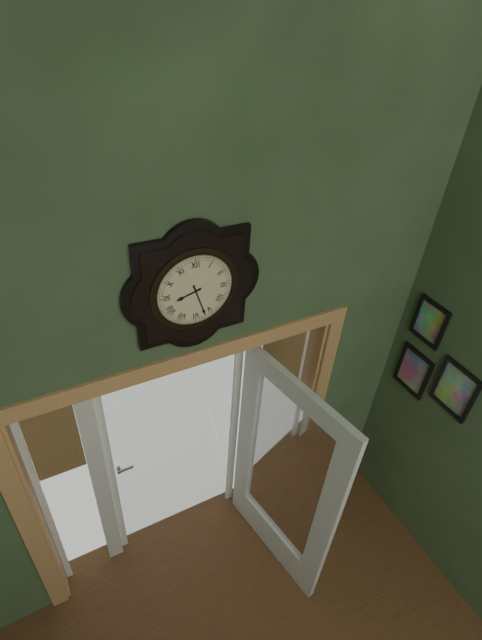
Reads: 8:27
